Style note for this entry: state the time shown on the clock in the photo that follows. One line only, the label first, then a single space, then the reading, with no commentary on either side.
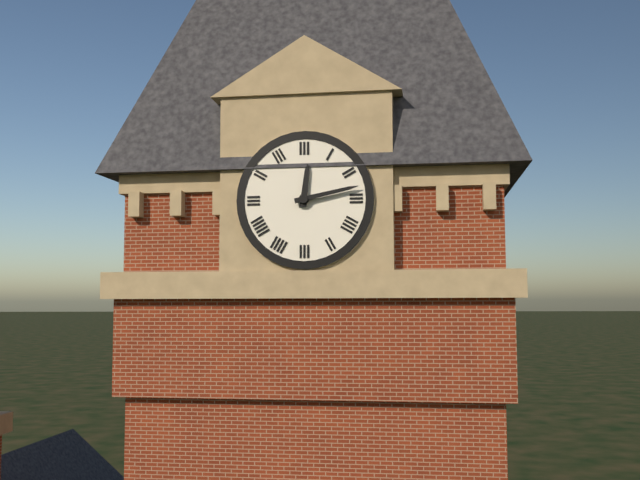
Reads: 12:13
